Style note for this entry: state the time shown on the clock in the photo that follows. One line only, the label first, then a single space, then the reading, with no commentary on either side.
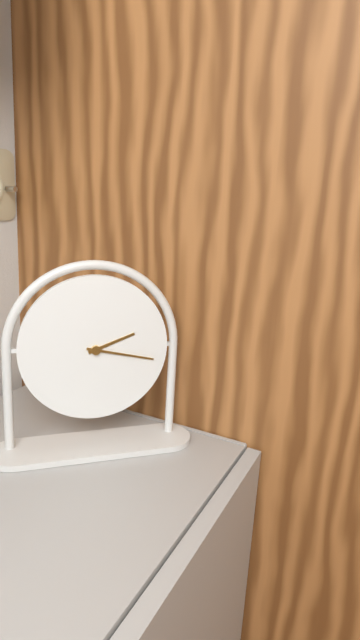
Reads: 2:17
